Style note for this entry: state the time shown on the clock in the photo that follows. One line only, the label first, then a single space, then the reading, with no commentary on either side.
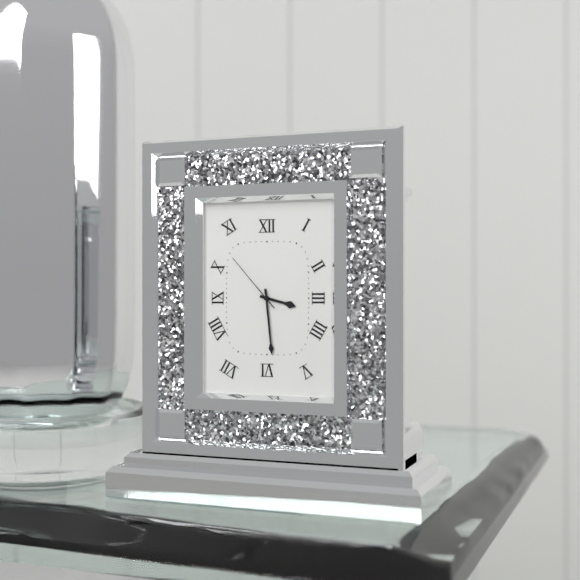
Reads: 3:29:53
